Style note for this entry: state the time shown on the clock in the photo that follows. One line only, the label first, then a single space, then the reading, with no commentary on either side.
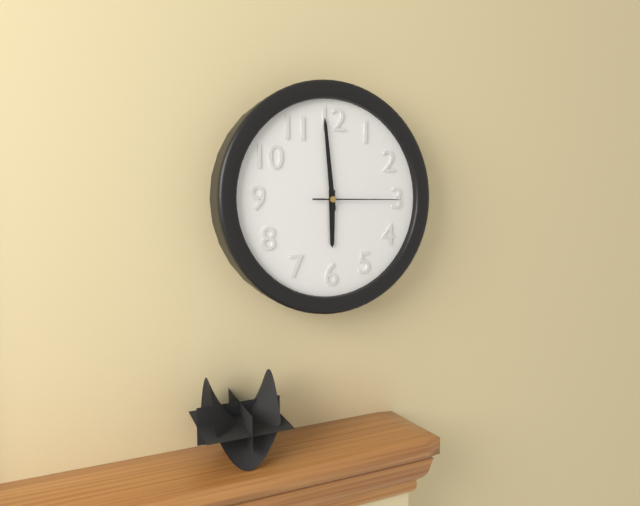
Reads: 5:59:15
